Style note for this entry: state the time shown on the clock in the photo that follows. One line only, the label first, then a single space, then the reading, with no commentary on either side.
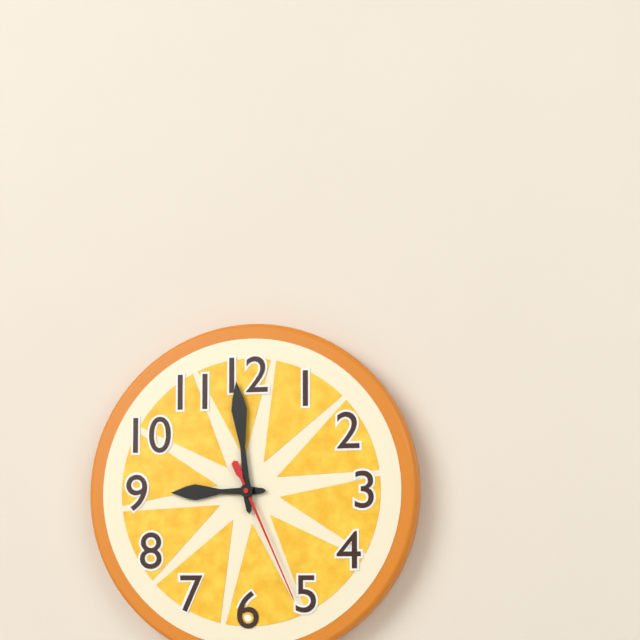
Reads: 8:59:26
